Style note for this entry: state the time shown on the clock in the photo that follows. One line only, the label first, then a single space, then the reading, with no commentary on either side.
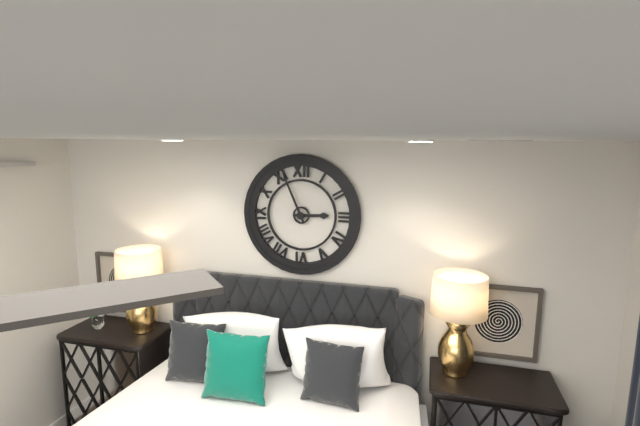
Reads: 2:56
